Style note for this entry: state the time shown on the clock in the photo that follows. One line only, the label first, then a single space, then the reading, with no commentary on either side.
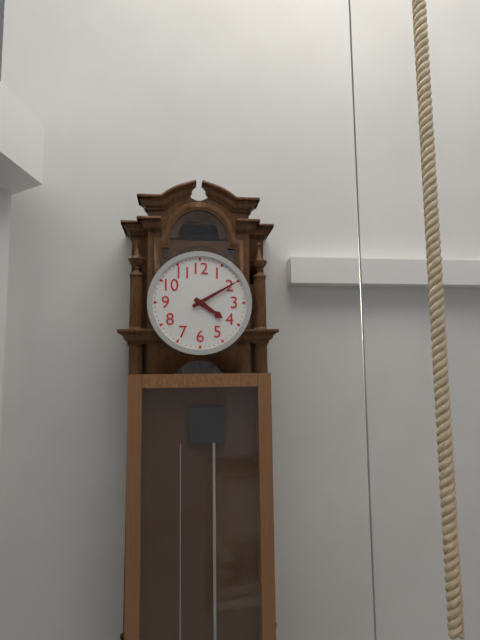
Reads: 4:10
